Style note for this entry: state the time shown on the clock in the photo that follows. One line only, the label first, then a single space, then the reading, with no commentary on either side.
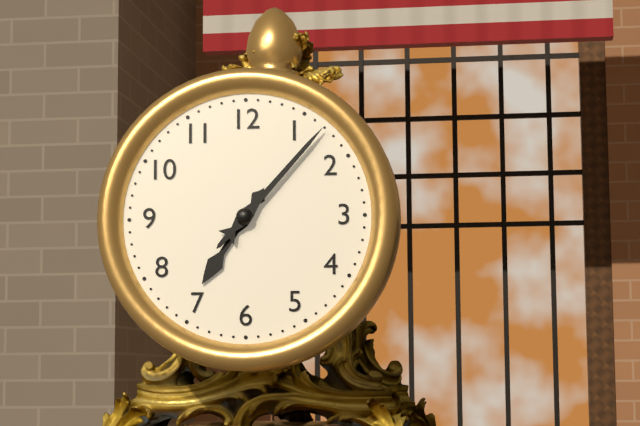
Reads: 7:07
